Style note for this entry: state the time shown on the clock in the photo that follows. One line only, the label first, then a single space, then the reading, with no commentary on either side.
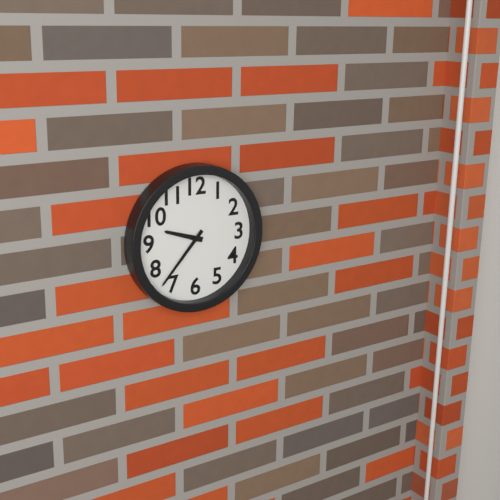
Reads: 9:37
